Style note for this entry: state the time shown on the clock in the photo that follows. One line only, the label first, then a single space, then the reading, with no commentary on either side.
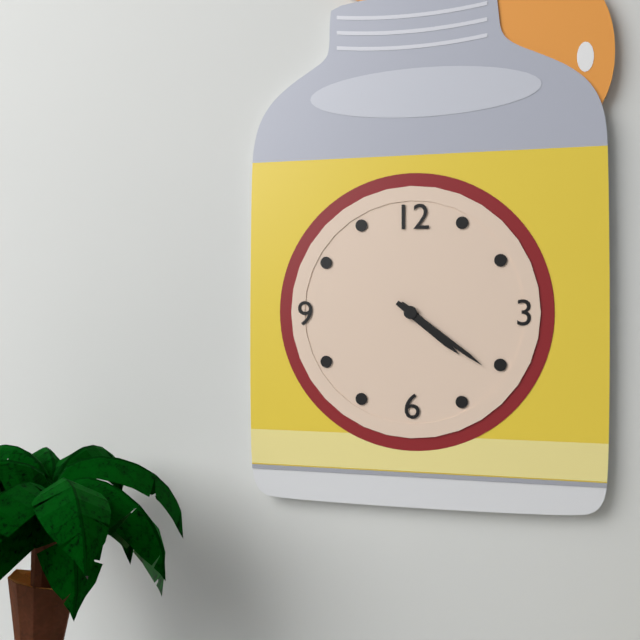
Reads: 4:21
